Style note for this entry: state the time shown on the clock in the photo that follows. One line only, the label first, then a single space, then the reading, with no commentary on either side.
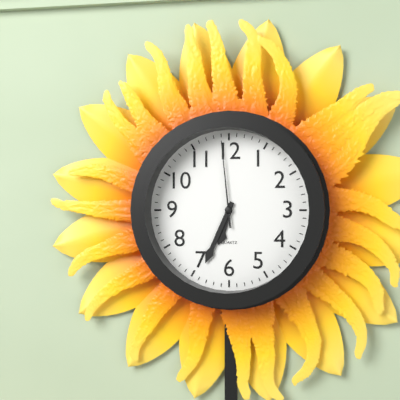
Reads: 6:34:59
